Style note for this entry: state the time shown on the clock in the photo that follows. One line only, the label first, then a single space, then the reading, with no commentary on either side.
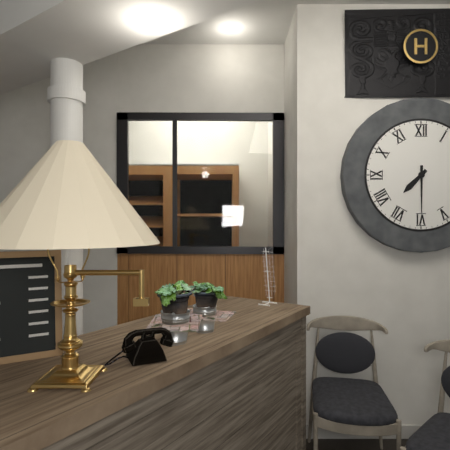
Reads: 7:30
